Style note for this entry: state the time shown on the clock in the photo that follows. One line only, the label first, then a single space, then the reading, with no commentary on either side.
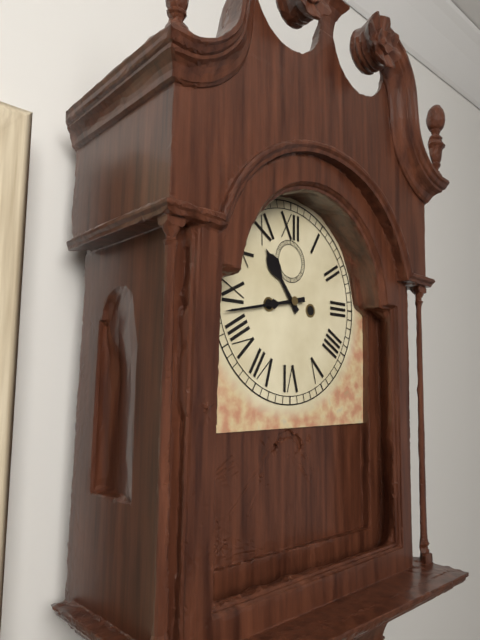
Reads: 10:43
